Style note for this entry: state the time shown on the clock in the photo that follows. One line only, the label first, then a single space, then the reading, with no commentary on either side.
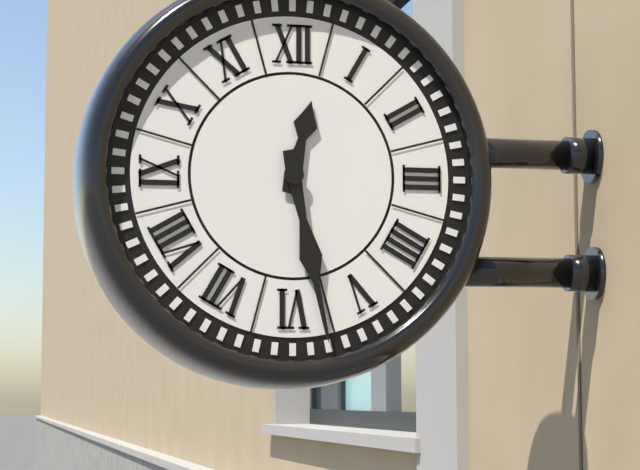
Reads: 12:28
